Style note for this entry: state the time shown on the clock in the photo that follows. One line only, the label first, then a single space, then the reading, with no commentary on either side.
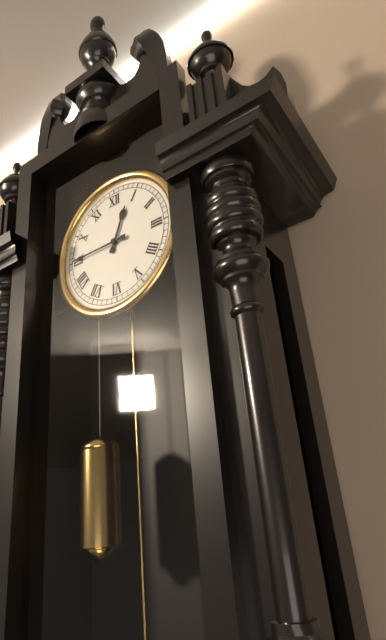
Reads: 12:45
